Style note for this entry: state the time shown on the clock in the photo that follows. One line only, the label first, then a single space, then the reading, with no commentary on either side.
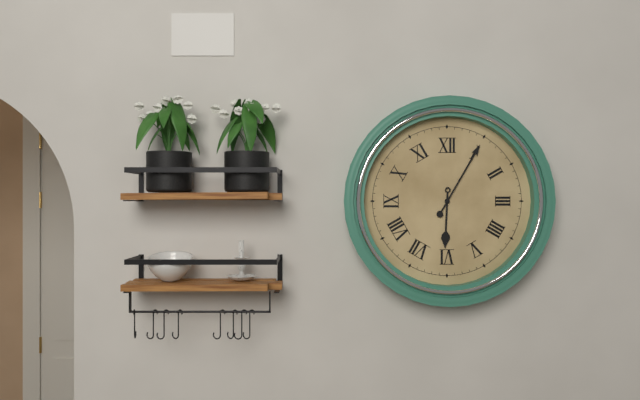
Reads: 6:05
